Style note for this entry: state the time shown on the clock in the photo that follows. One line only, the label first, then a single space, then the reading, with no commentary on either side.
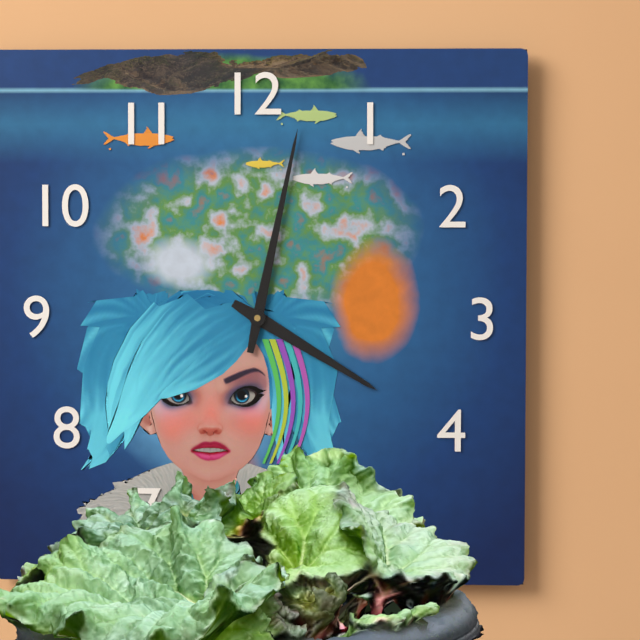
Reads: 4:02
